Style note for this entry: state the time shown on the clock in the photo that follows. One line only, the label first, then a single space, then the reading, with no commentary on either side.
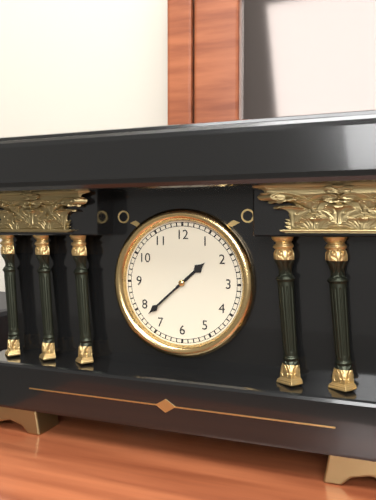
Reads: 1:38
